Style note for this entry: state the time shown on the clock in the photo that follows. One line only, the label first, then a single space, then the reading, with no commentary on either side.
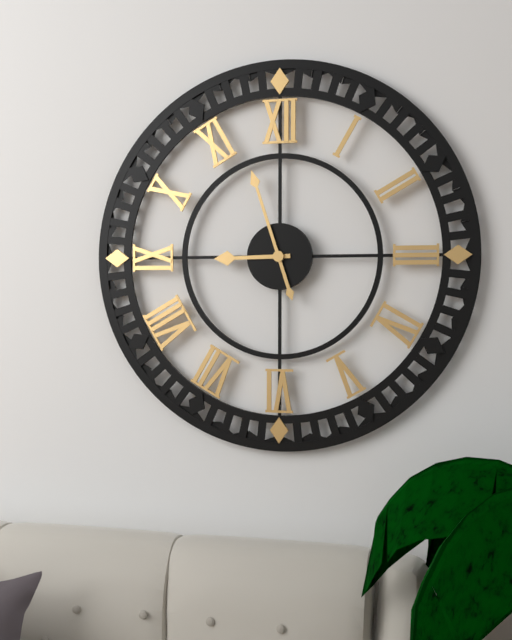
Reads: 8:57
